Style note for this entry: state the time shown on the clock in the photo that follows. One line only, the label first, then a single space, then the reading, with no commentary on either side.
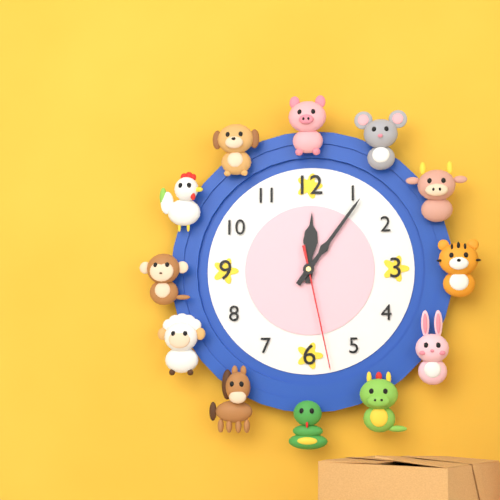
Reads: 12:06:28
